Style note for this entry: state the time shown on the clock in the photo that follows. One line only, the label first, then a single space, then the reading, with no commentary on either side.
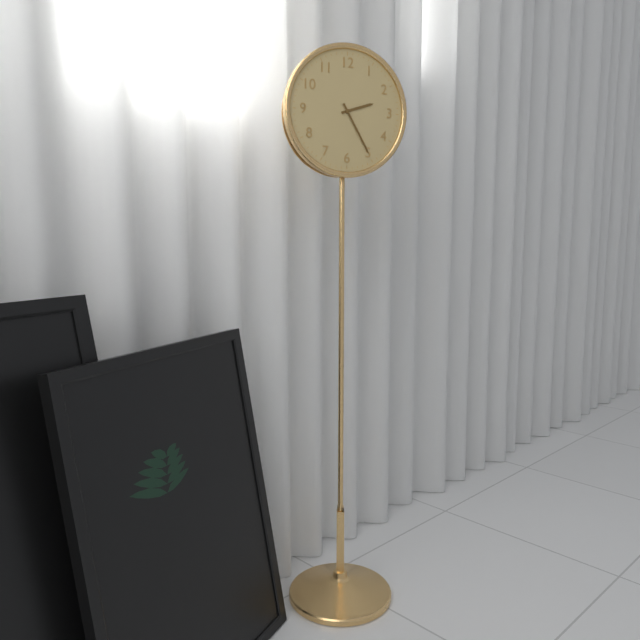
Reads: 2:25
